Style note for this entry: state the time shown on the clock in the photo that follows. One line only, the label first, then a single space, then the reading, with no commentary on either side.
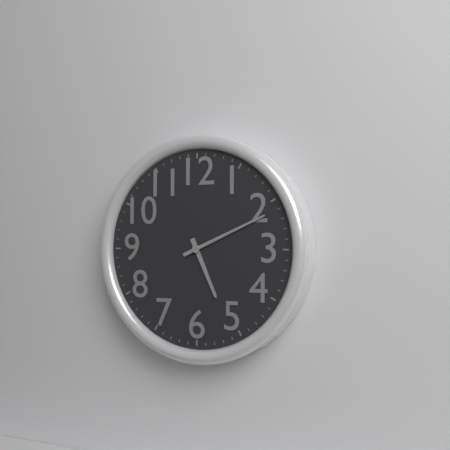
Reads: 5:11
